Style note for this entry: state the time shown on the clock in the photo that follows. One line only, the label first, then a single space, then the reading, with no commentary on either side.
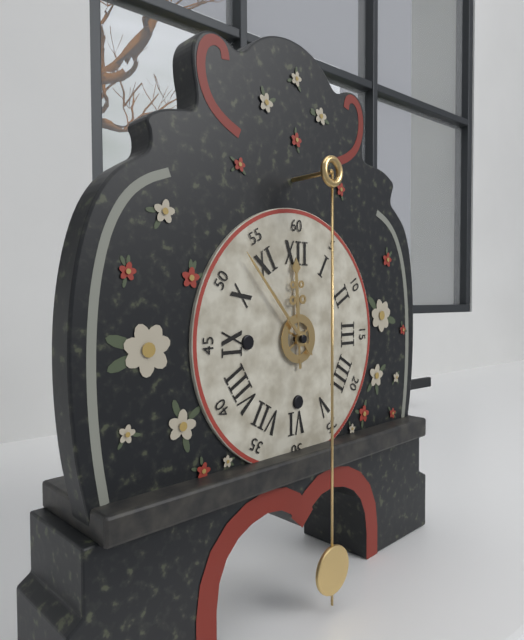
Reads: 11:53
